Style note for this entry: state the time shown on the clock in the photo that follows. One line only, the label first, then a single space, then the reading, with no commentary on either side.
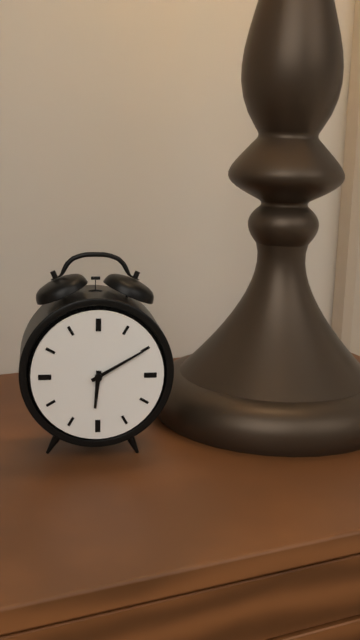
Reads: 6:10
